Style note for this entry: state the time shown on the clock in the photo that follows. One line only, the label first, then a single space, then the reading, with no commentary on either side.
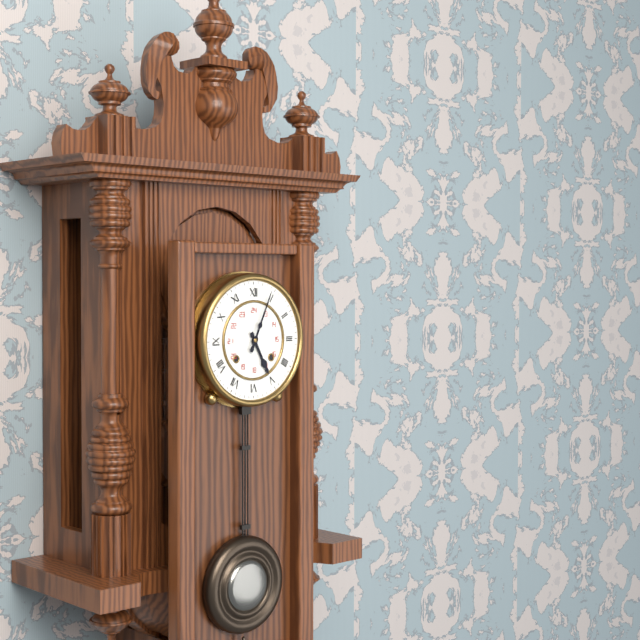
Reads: 5:04
